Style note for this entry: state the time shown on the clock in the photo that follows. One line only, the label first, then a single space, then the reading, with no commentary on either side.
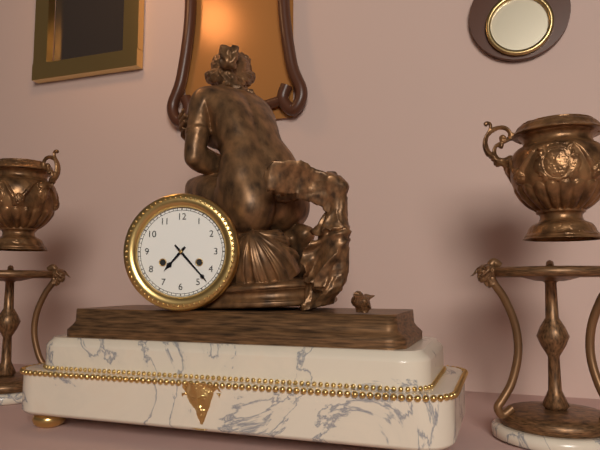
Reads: 7:23
